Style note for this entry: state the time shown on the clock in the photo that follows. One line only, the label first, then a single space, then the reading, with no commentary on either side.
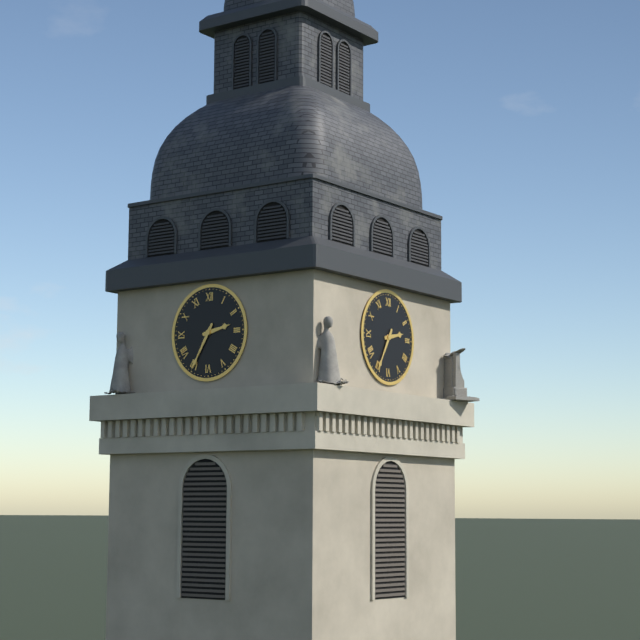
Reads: 2:35
